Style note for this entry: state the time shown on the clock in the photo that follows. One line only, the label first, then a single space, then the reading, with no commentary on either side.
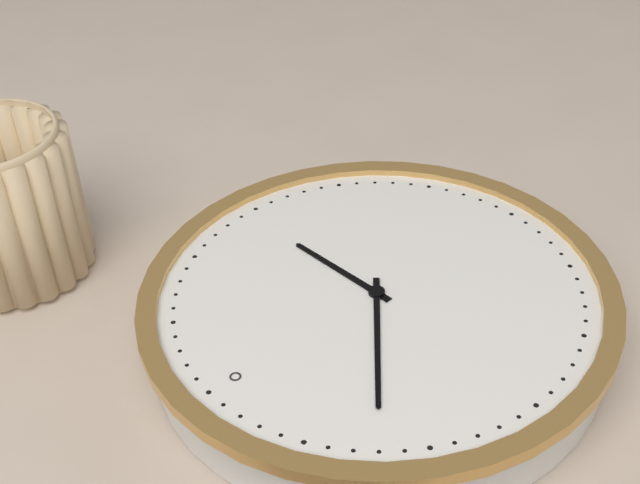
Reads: 2:52
